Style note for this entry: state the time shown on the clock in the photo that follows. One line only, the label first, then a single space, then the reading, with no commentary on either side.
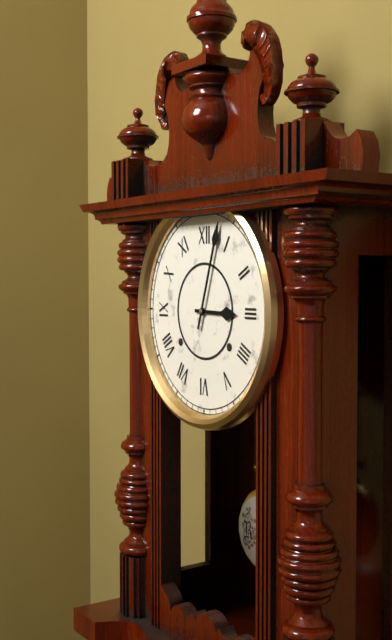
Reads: 3:03
